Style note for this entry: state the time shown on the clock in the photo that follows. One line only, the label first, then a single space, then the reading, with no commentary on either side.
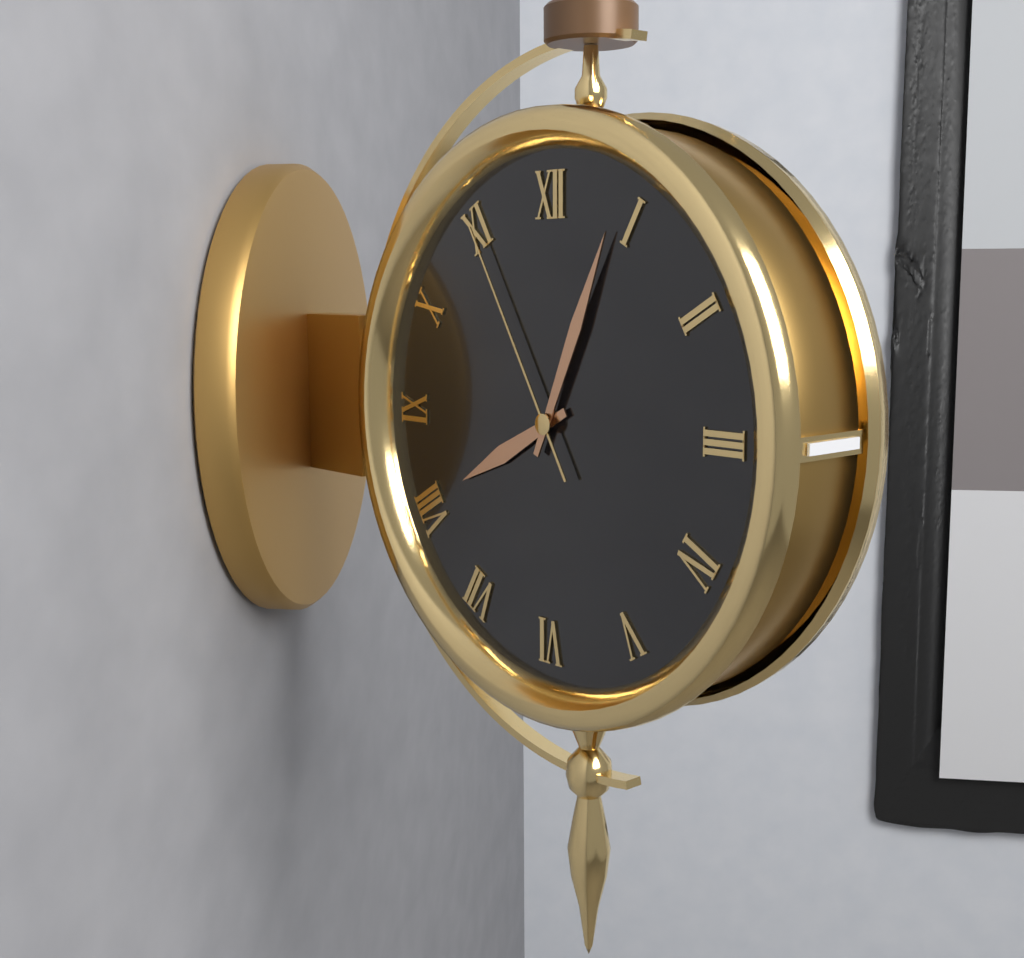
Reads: 8:04:55
